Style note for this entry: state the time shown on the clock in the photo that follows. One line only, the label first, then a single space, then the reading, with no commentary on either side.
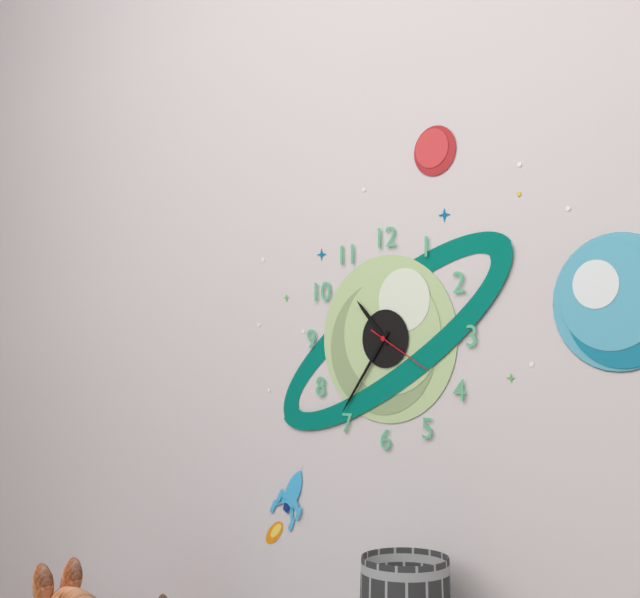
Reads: 10:36:20
